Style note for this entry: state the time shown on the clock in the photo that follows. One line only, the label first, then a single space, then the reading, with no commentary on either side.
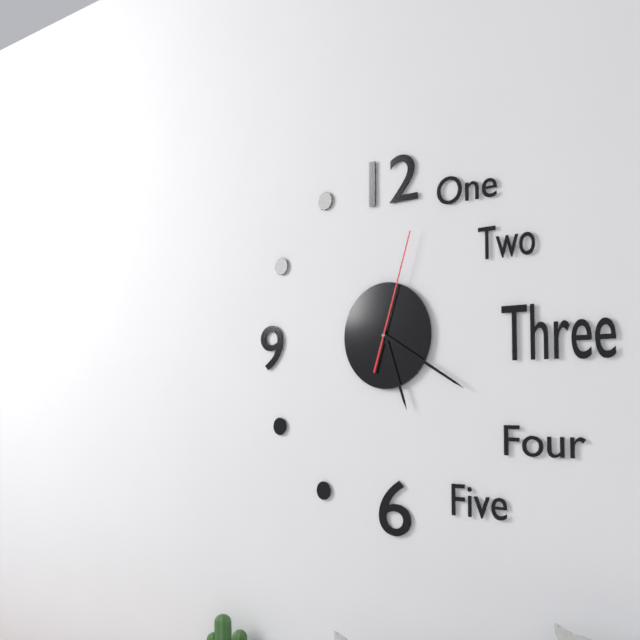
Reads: 5:20:03
